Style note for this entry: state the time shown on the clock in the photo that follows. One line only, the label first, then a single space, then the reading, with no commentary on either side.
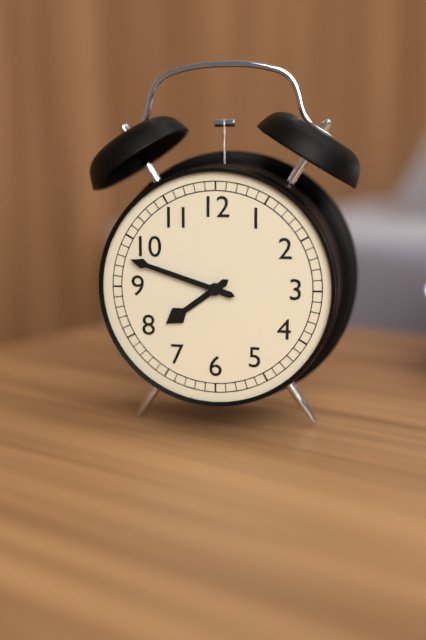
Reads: 7:48
